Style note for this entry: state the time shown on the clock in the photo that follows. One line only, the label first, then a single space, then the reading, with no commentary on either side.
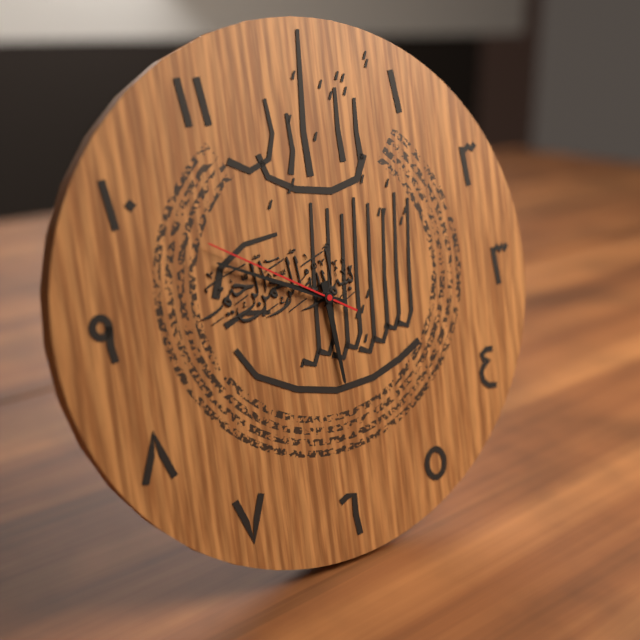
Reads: 5:49:50
